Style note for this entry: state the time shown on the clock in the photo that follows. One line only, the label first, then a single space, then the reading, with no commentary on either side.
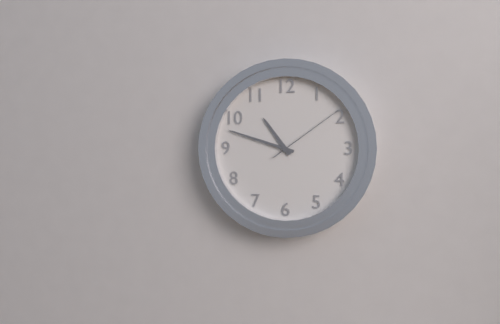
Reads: 10:48:09
